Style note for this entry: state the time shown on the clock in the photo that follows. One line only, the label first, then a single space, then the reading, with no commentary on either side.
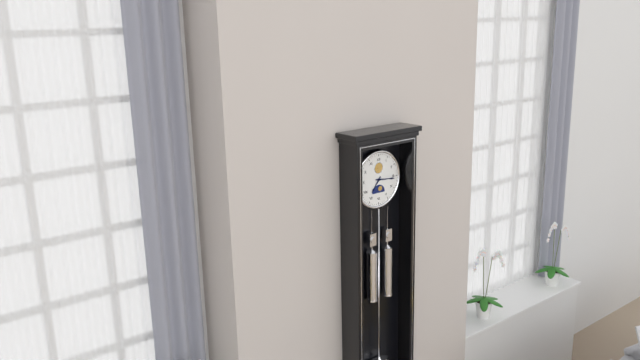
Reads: 7:16
